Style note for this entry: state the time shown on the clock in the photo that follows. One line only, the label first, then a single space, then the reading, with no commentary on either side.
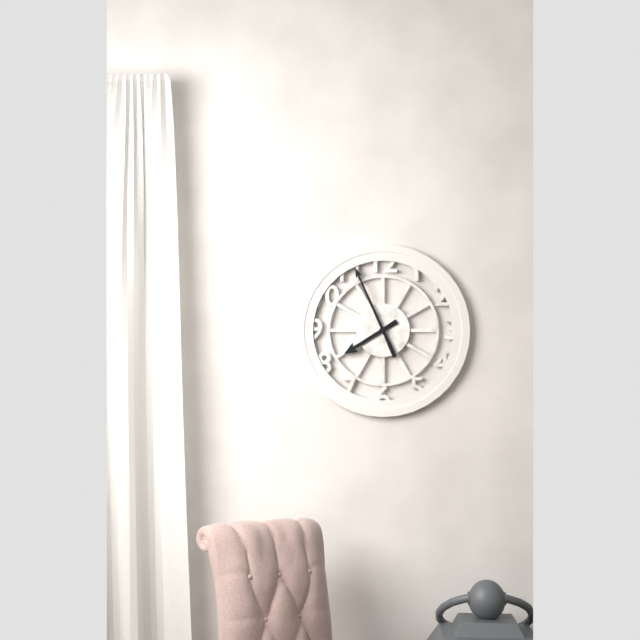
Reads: 7:56
